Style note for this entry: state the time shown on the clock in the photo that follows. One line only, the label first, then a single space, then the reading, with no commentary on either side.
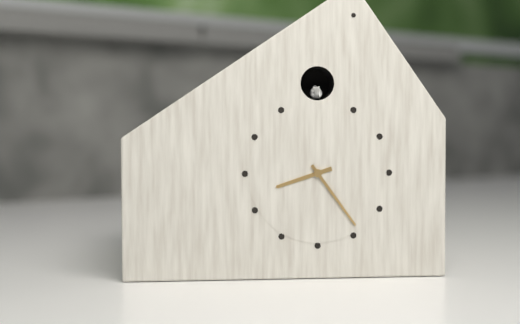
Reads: 8:24
